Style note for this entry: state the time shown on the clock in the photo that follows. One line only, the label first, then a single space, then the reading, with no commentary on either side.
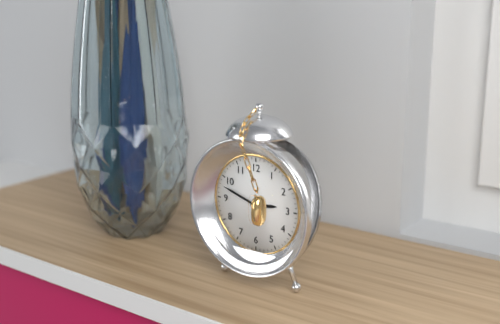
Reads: 2:48
